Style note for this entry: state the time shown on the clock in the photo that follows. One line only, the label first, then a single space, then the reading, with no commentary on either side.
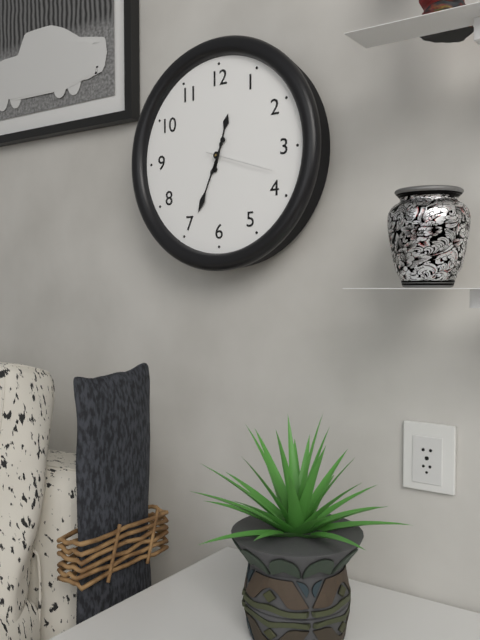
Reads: 12:34:18
